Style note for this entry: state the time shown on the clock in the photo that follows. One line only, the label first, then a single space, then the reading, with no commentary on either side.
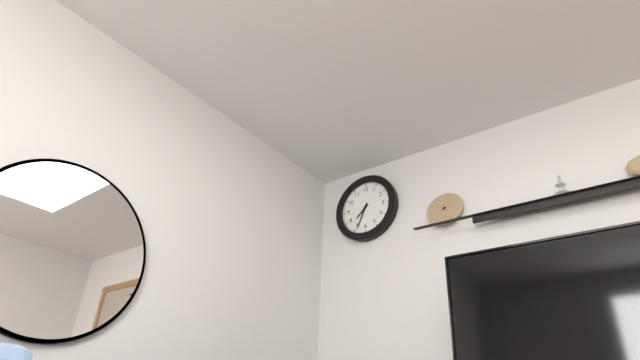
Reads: 7:34
